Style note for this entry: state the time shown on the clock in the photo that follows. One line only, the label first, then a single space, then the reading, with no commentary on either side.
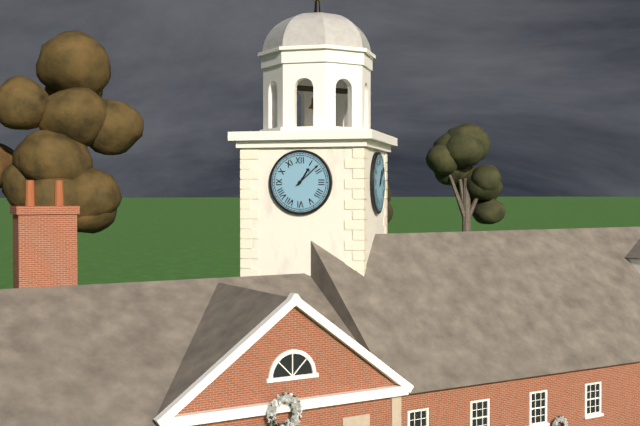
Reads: 1:08
